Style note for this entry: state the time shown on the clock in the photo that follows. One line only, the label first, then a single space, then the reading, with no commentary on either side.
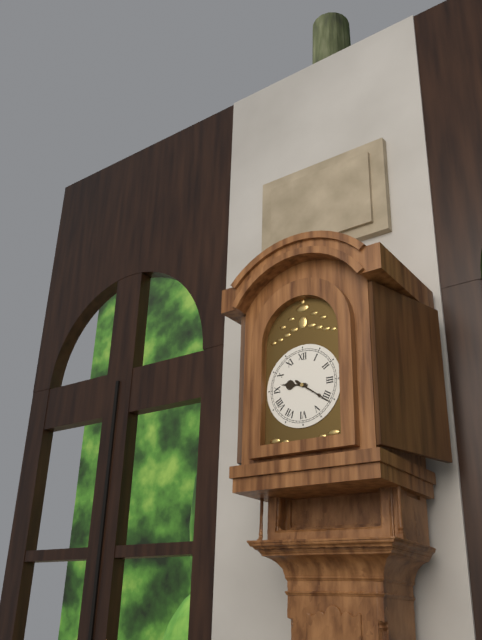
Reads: 9:21
